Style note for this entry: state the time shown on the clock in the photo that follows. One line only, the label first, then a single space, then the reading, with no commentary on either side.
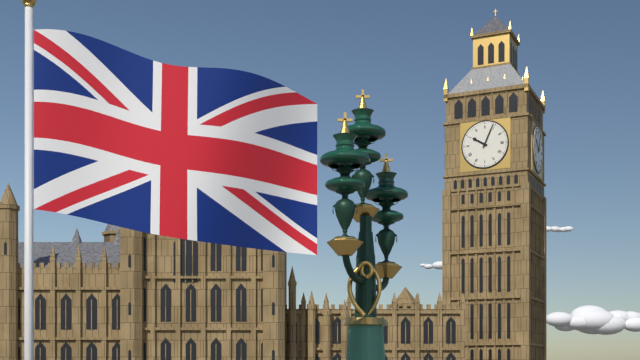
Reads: 10:04
